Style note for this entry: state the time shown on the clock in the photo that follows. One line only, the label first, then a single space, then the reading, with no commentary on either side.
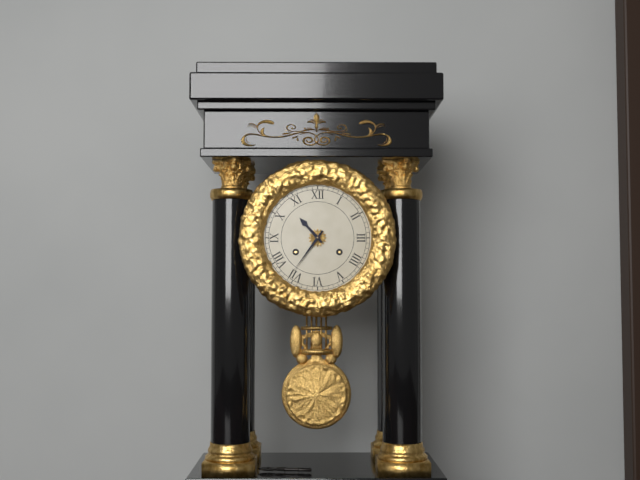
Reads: 10:36
